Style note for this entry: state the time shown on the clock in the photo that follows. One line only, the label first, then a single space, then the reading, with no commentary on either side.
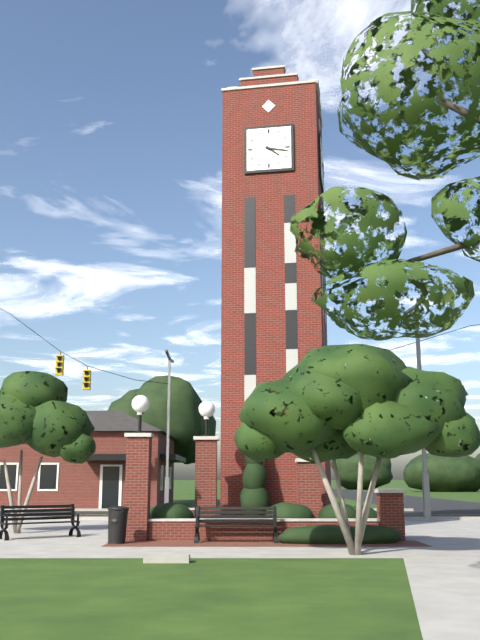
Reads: 4:17
